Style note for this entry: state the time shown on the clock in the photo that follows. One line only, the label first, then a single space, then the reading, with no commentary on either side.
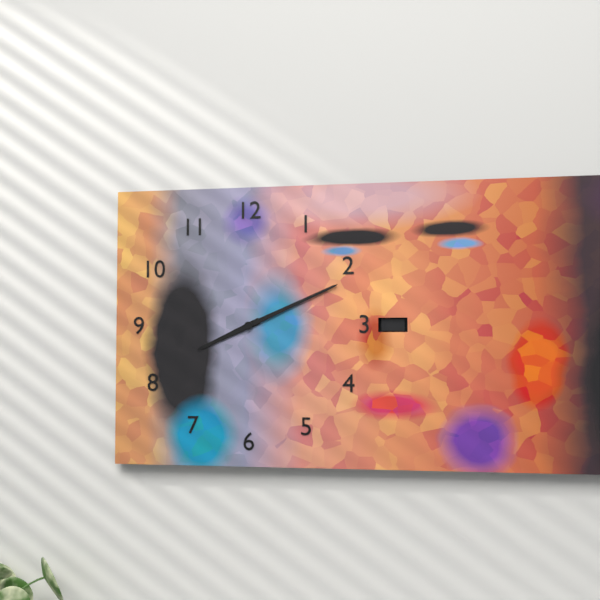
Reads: 8:11
